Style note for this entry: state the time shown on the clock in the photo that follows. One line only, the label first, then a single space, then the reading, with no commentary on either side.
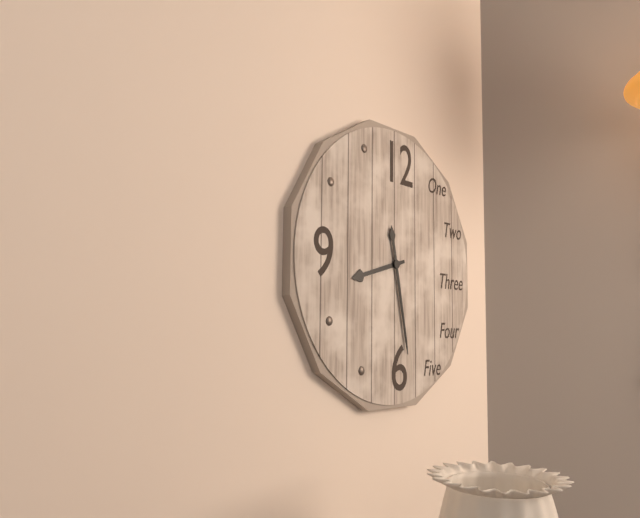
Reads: 8:28
